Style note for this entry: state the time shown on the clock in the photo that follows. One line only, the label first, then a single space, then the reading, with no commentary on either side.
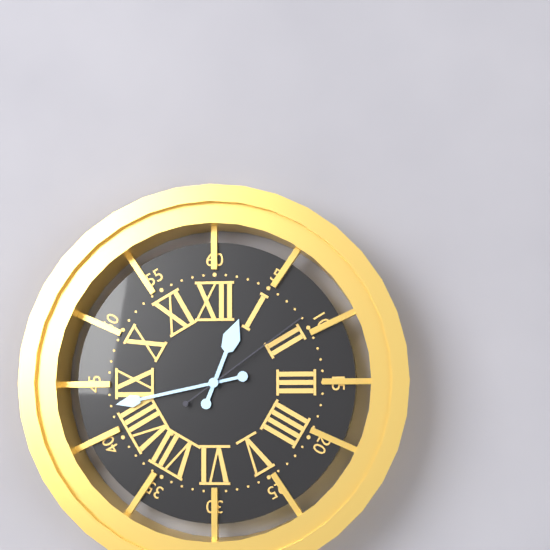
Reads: 12:43:09
